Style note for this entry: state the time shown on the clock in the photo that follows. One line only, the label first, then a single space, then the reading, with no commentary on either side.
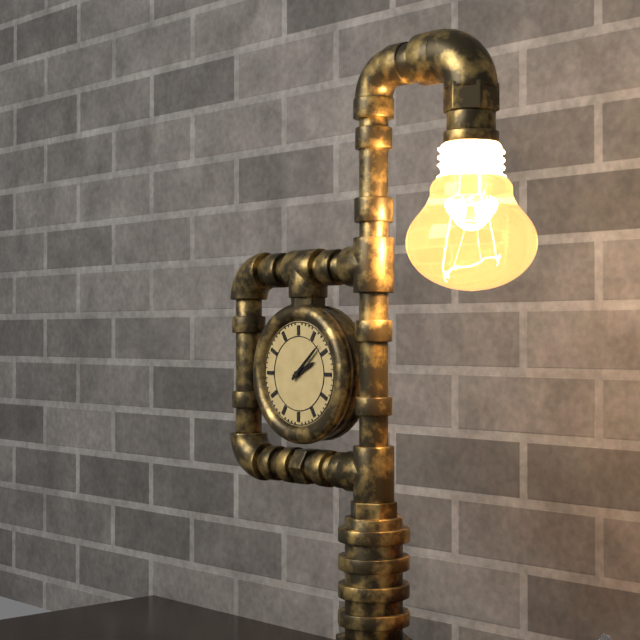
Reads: 2:08
